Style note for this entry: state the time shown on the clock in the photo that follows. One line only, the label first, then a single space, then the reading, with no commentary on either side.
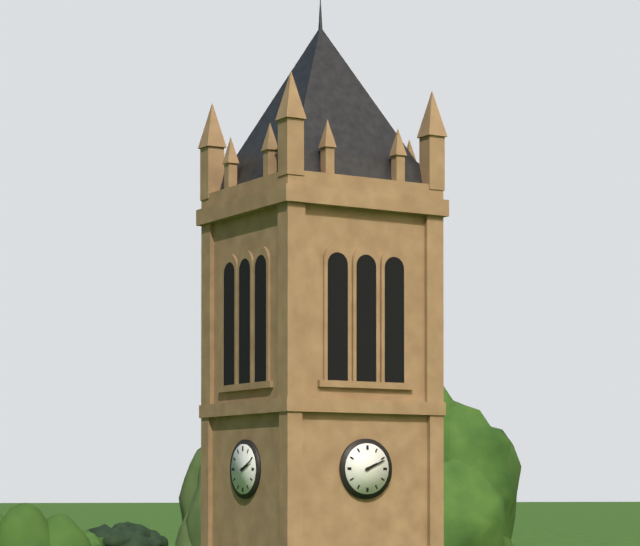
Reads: 2:11
